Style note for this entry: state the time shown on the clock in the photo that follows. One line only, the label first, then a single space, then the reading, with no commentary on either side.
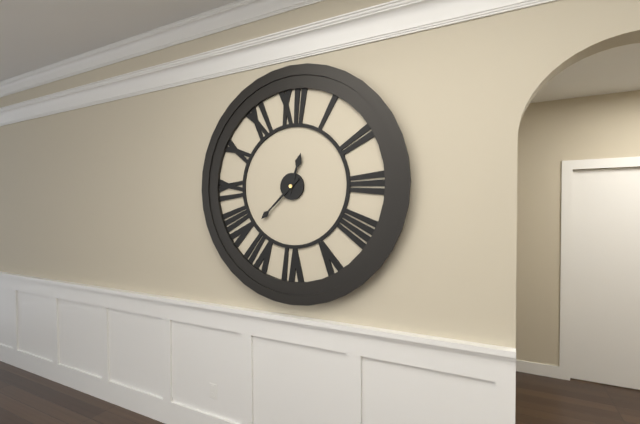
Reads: 12:38
